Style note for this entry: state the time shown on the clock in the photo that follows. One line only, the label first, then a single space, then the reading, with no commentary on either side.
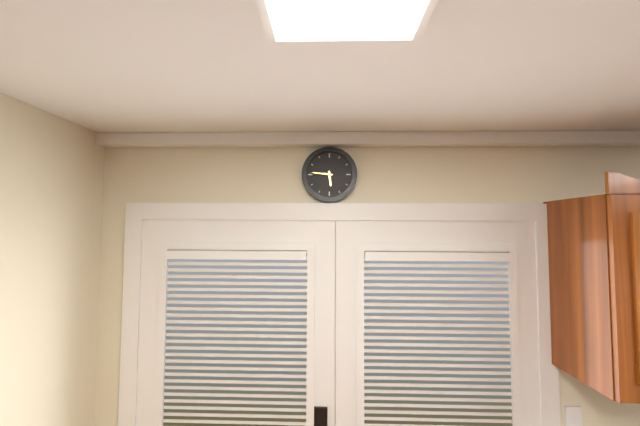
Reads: 5:46
